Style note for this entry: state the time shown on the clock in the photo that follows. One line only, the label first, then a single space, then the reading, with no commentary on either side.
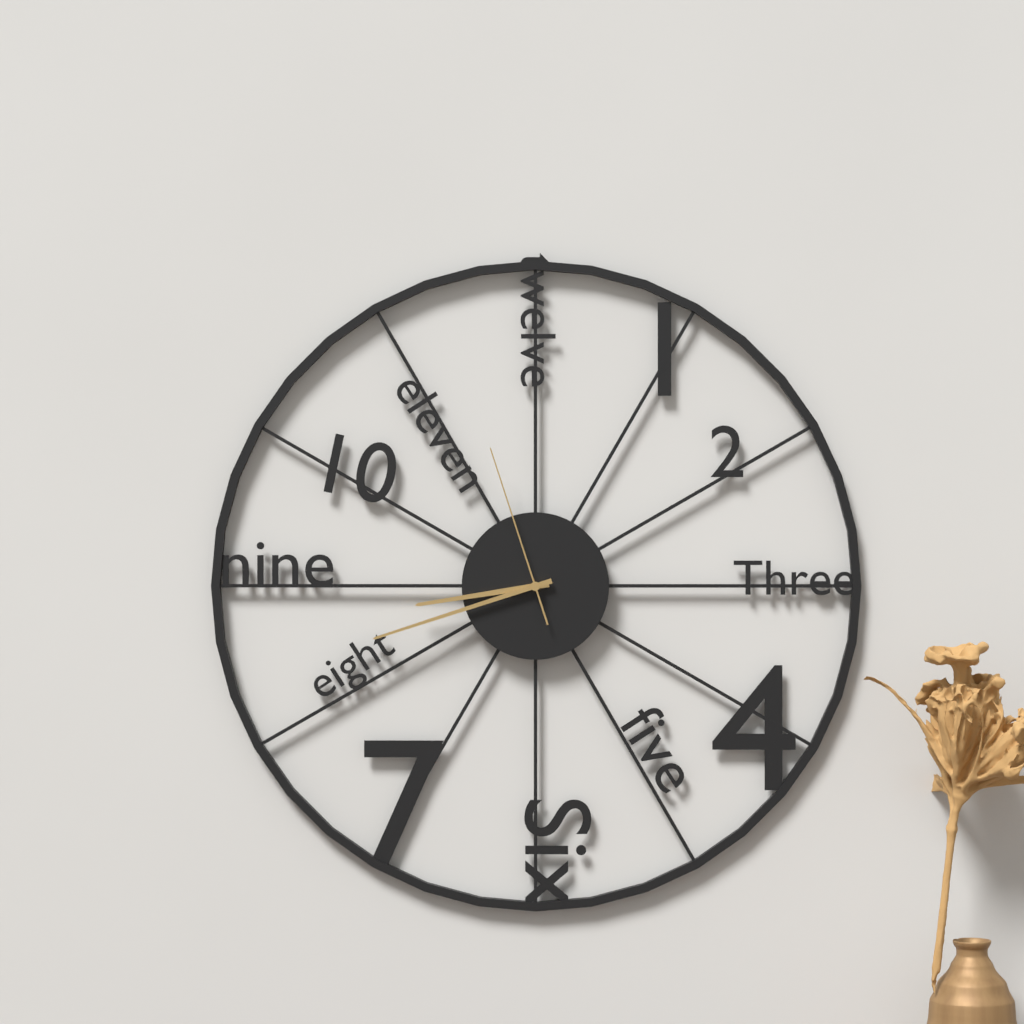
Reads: 8:42:57
